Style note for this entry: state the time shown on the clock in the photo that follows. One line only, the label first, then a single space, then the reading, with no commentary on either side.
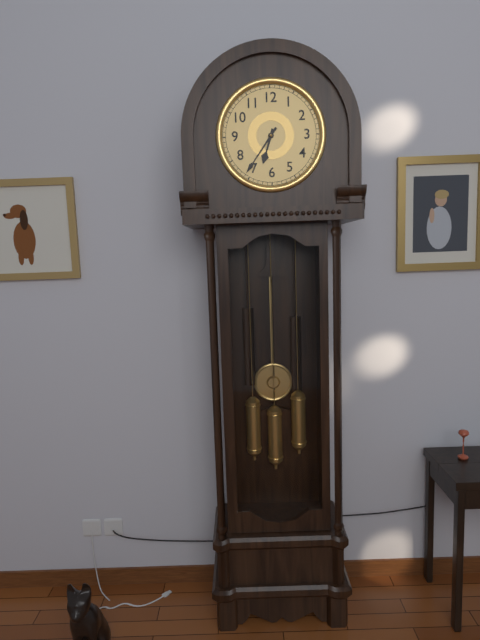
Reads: 6:36
